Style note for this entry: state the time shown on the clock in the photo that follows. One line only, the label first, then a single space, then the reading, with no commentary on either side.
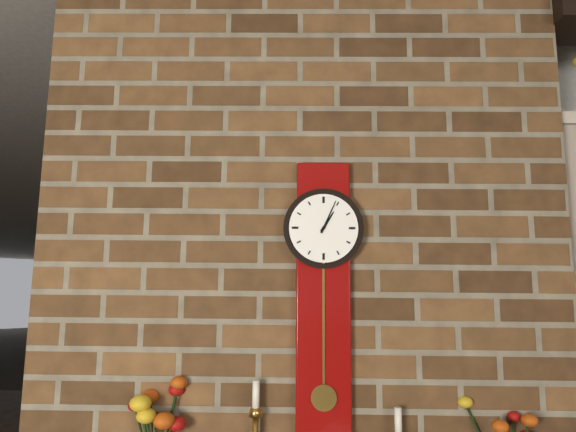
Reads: 1:04
